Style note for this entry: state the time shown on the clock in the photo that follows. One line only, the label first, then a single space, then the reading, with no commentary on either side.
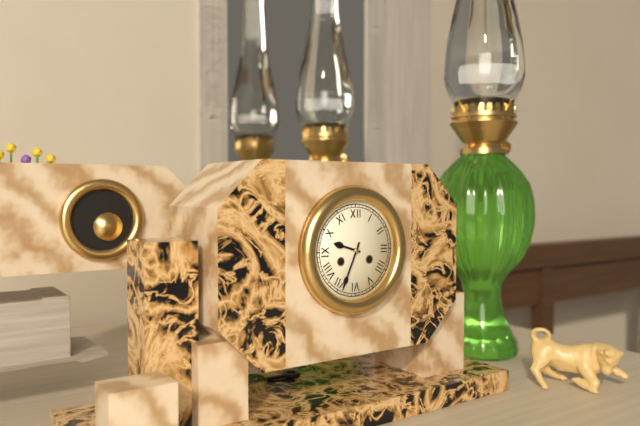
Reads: 9:34
